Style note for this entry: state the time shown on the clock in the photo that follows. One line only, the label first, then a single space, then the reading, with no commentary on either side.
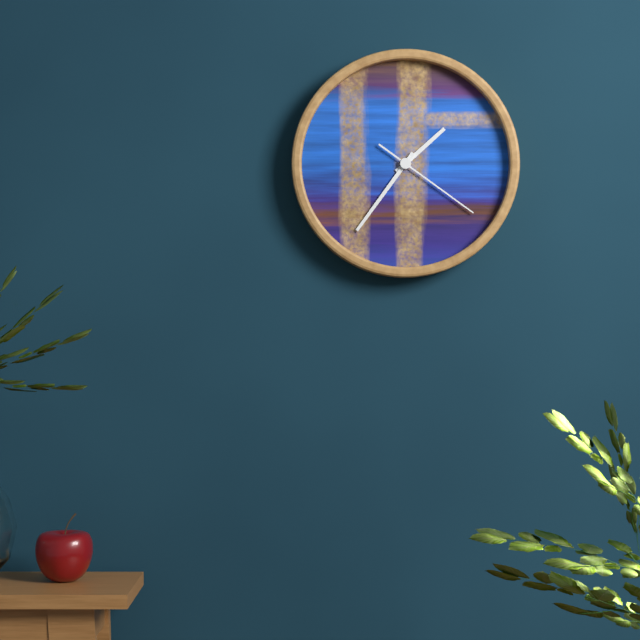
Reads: 1:36:21
